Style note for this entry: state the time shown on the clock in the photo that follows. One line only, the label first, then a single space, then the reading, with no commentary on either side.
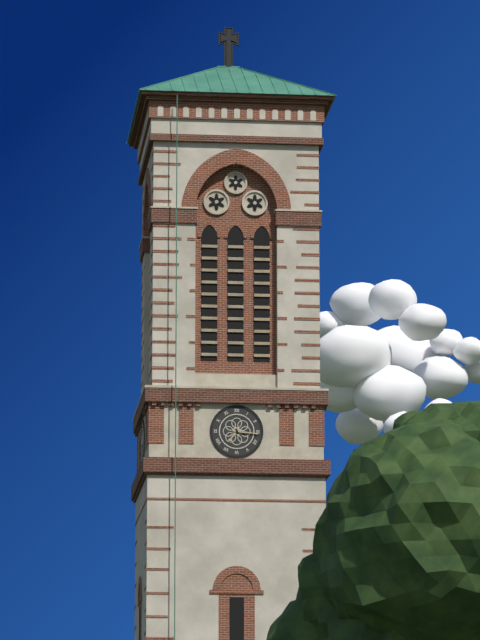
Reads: 7:16
